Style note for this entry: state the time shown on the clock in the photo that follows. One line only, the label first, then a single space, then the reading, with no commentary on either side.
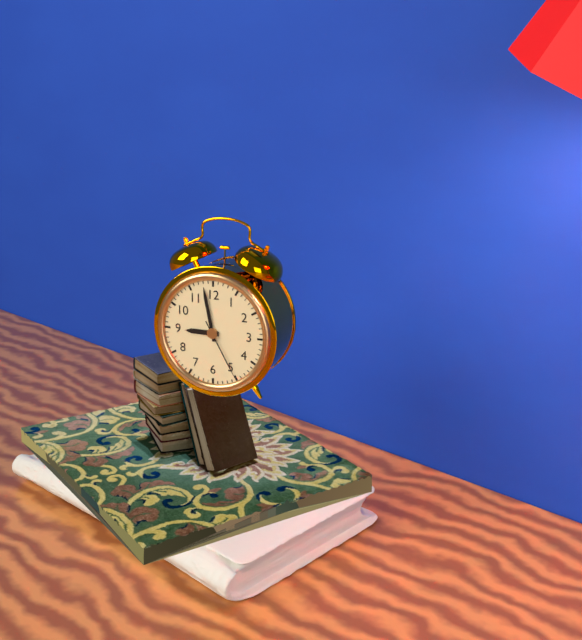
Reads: 8:58:25
